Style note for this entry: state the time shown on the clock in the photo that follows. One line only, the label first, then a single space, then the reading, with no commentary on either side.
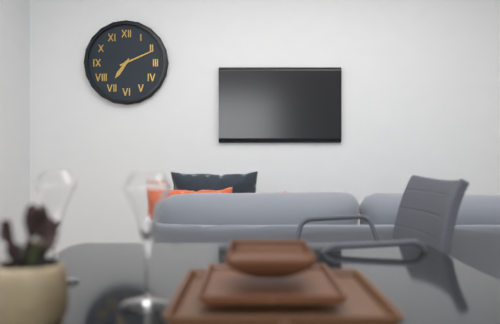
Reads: 7:11
